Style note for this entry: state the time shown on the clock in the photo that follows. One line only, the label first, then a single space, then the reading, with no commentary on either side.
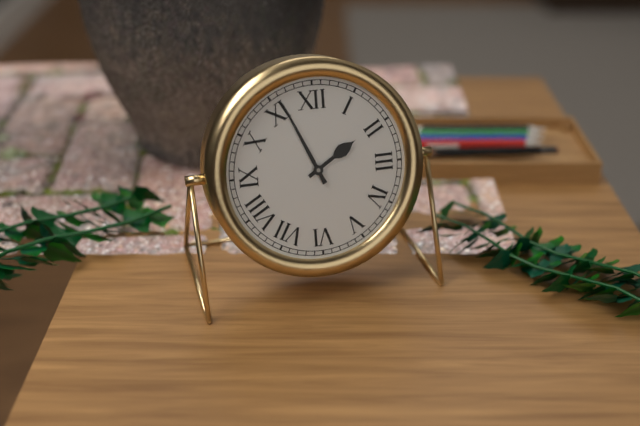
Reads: 1:56
